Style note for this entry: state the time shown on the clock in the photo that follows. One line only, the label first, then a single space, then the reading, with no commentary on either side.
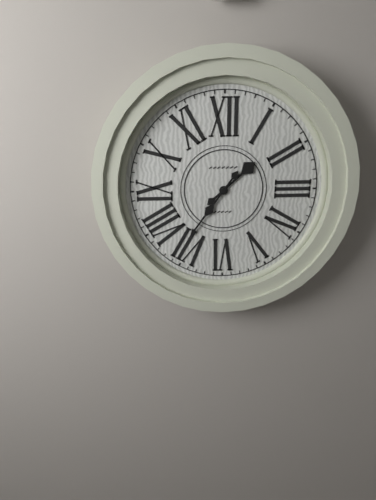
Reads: 1:36
